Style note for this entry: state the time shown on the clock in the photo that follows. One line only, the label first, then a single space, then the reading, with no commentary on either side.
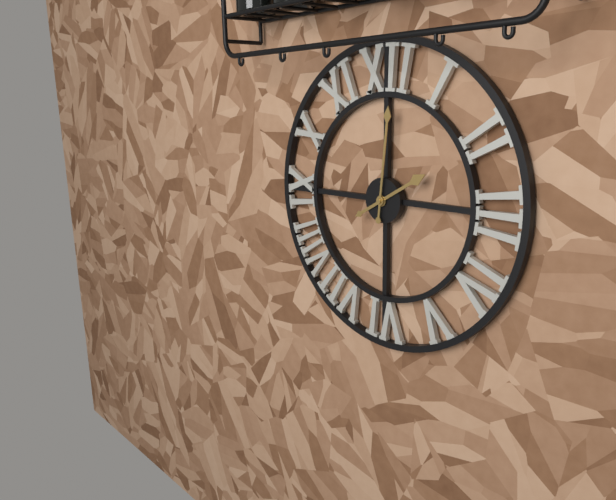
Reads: 2:01
